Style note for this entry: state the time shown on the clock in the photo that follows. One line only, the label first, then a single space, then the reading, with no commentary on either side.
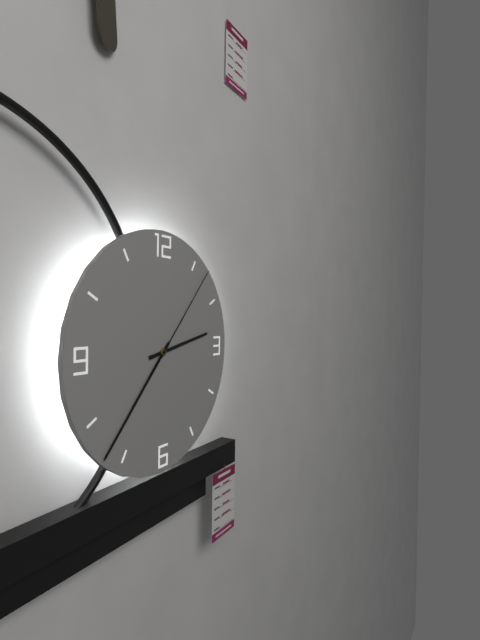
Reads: 2:37:07
